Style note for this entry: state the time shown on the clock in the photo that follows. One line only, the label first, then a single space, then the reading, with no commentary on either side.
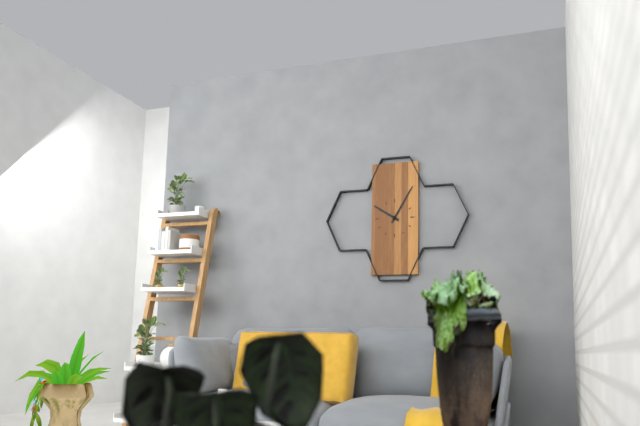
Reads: 10:05
